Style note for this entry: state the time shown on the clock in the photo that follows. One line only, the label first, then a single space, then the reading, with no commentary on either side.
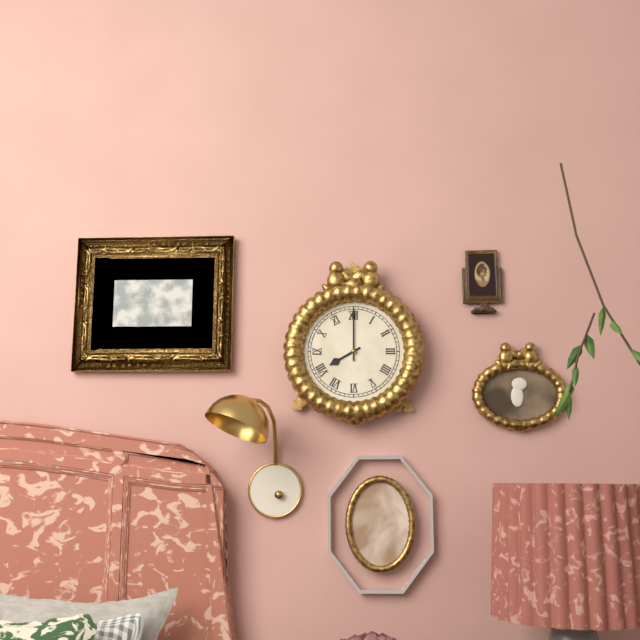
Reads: 8:00
